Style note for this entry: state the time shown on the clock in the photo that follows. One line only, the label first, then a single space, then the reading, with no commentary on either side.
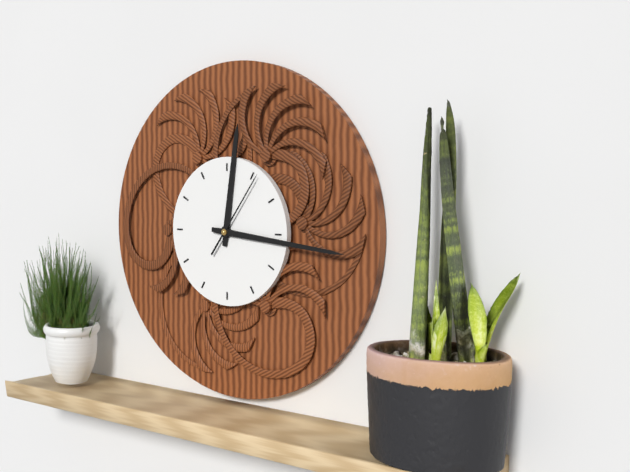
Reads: 12:16:06
